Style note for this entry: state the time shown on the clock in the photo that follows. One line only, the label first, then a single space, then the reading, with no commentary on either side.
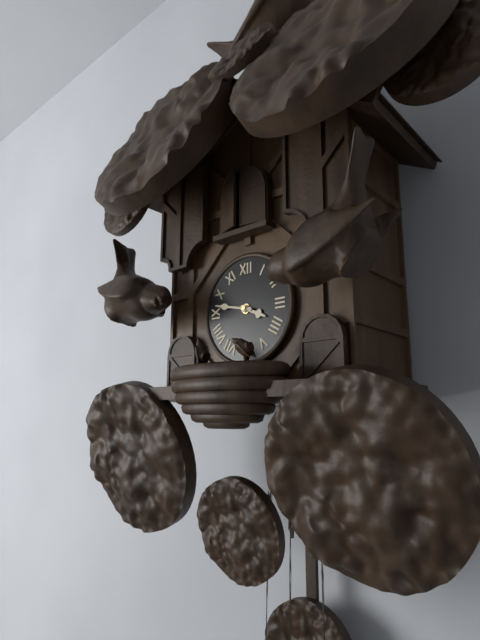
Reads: 3:47
